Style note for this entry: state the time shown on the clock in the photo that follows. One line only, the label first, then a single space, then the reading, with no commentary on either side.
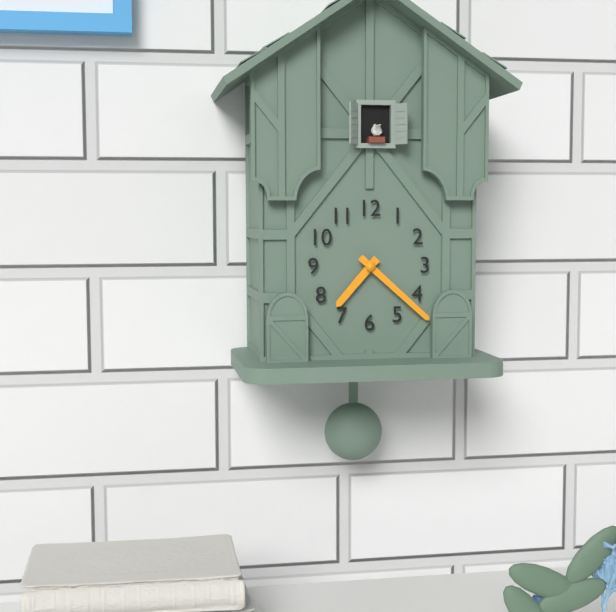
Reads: 7:22
